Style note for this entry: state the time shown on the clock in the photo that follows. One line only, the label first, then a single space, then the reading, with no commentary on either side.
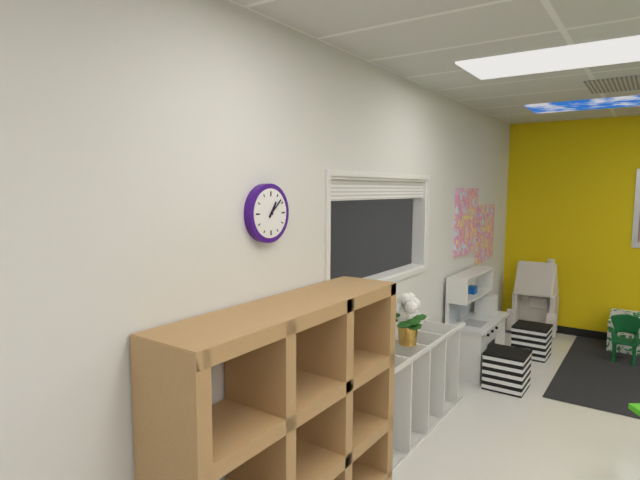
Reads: 1:08
